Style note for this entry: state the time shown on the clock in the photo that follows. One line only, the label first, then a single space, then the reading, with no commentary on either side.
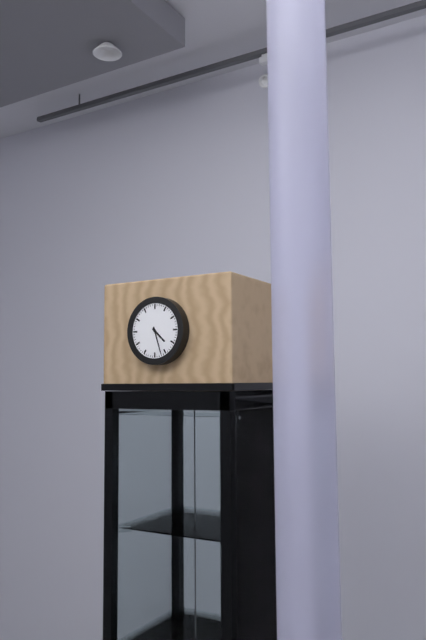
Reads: 4:27
